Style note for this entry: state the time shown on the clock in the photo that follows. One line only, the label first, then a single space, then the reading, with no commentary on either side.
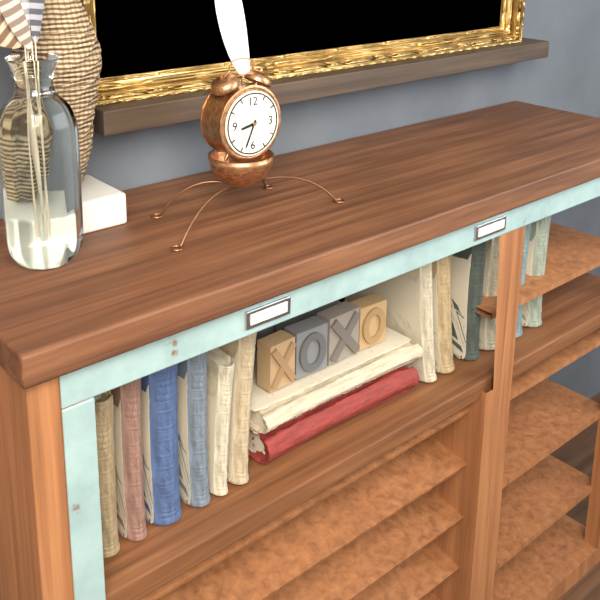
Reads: 8:34
